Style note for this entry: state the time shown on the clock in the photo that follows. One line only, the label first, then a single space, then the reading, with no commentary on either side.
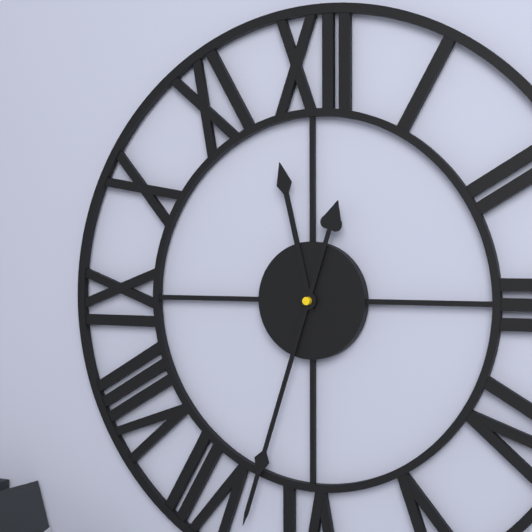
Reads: 11:33
